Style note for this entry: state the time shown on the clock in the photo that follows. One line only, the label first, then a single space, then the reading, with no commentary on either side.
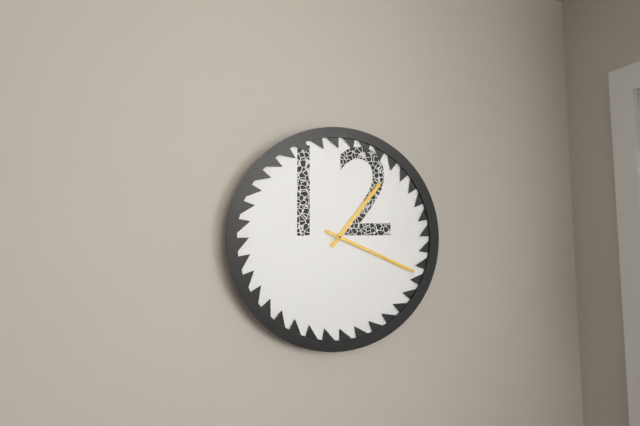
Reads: 1:19
